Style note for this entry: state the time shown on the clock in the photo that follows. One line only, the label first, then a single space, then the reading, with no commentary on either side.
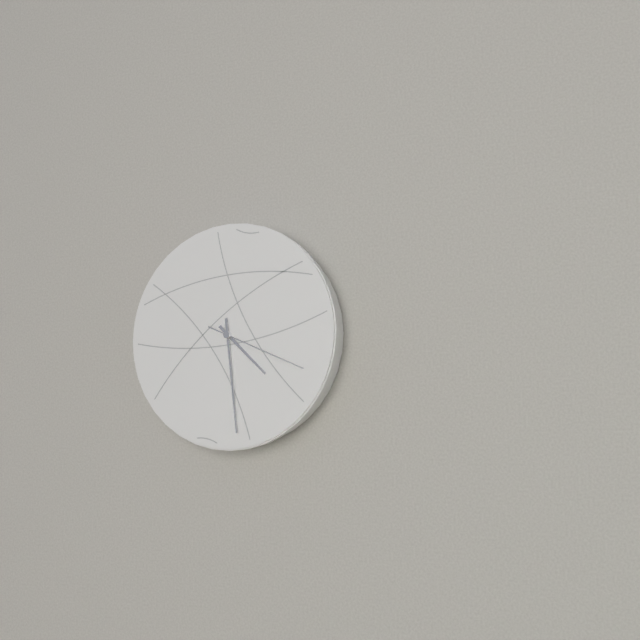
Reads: 4:29:19
